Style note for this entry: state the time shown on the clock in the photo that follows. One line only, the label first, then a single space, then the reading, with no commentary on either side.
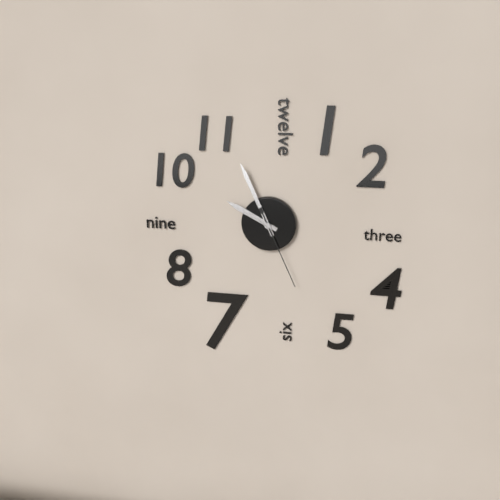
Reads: 9:56:26
